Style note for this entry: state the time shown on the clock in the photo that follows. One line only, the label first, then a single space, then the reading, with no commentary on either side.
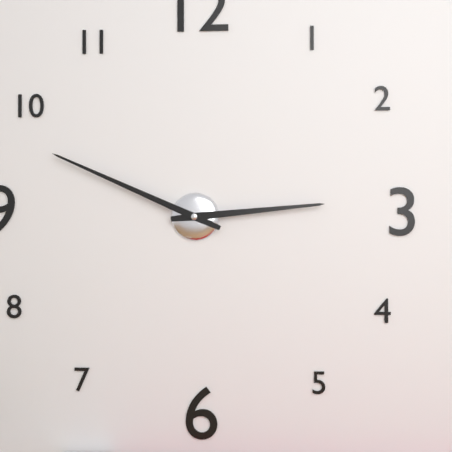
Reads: 2:49
